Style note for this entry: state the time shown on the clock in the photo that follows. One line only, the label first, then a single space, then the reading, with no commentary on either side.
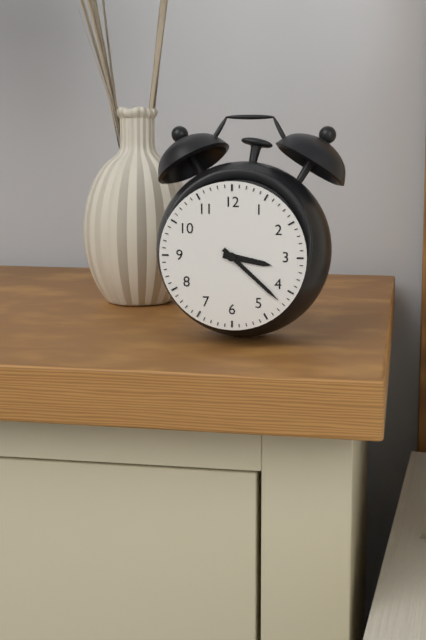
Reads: 3:22
